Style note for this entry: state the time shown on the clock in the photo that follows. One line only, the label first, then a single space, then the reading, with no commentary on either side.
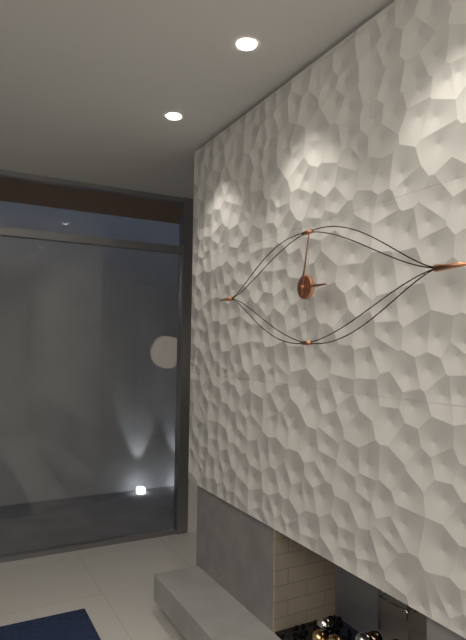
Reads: 3:02
